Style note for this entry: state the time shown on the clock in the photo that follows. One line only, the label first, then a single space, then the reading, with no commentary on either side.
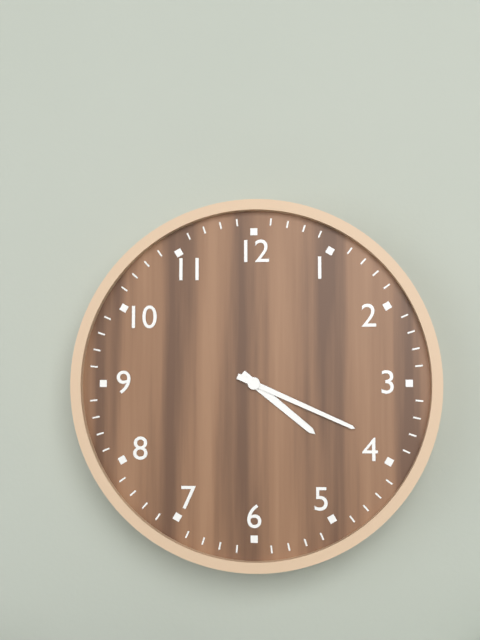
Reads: 4:19
